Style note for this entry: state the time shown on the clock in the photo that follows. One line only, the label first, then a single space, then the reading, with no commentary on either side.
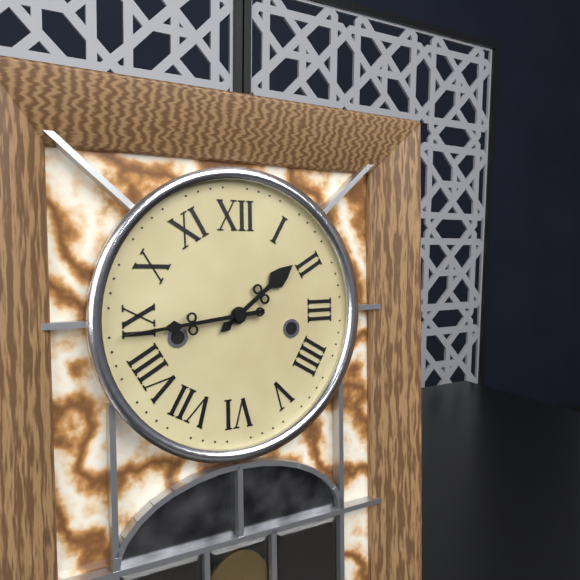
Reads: 1:44
